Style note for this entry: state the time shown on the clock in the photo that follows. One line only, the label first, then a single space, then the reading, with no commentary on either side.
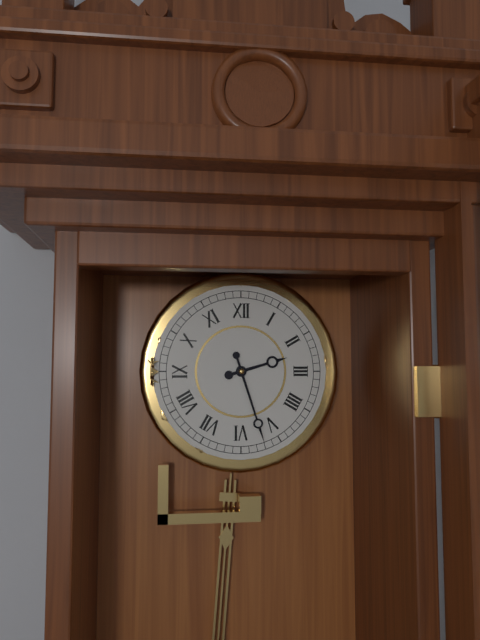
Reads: 2:27
